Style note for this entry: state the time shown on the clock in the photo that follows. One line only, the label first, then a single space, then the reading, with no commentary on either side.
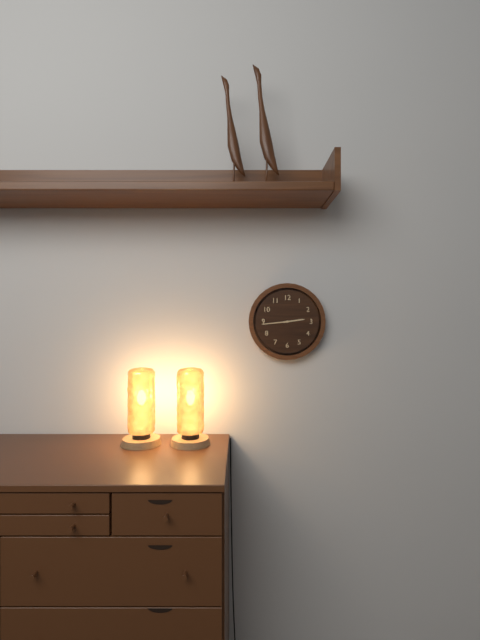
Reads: 2:44
